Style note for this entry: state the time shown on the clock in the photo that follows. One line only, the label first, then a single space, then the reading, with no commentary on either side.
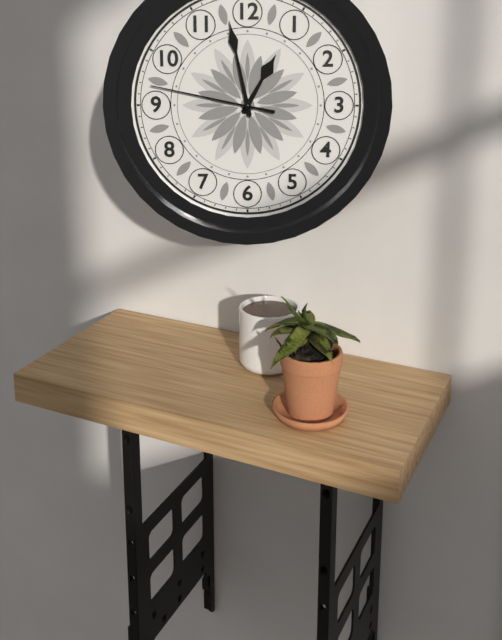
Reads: 12:58:47
